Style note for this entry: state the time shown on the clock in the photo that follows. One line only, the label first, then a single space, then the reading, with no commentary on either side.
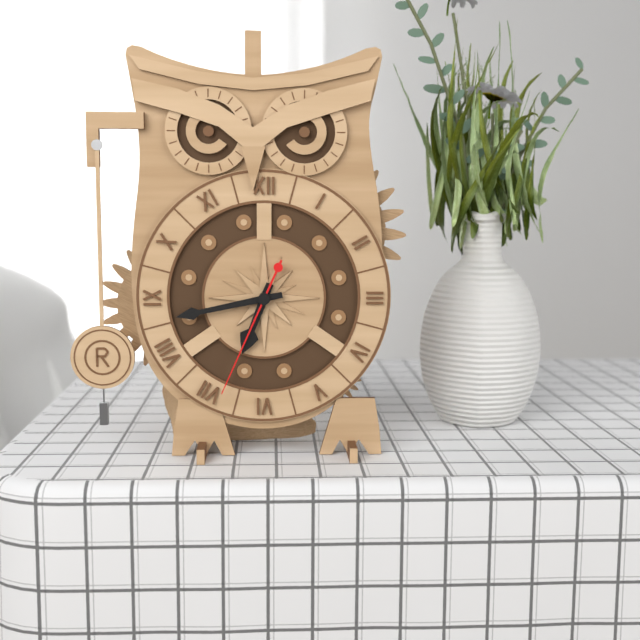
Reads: 6:43:34
